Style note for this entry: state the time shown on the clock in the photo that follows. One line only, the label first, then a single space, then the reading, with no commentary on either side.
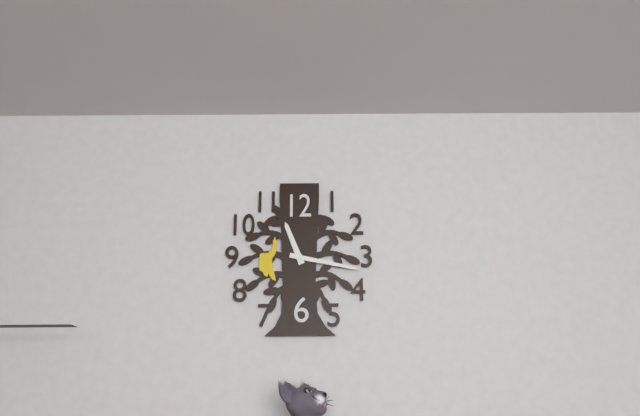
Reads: 11:17
